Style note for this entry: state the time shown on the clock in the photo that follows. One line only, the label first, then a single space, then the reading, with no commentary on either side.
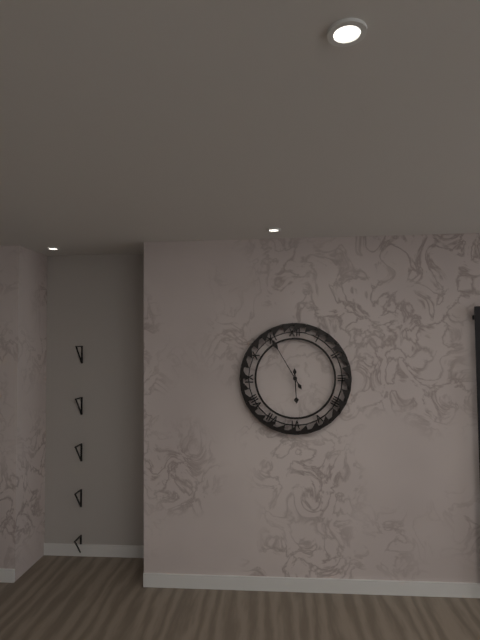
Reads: 5:55
